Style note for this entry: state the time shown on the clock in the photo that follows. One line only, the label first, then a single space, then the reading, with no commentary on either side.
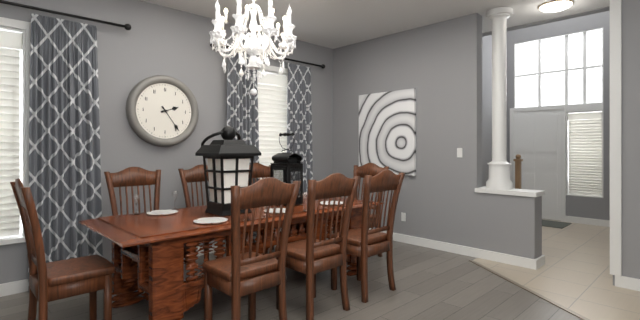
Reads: 2:24
